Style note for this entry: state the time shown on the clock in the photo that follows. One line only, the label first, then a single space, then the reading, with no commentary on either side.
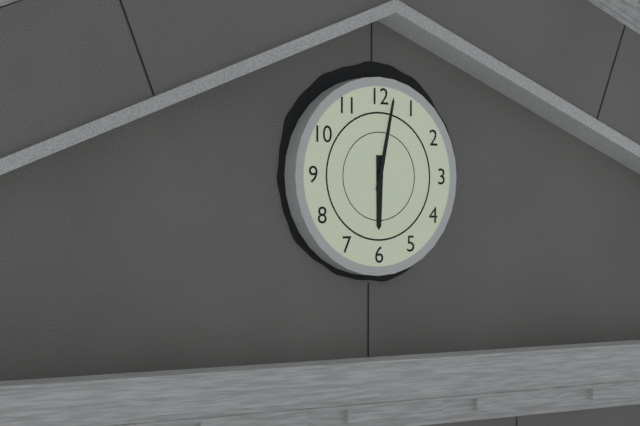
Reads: 6:02
